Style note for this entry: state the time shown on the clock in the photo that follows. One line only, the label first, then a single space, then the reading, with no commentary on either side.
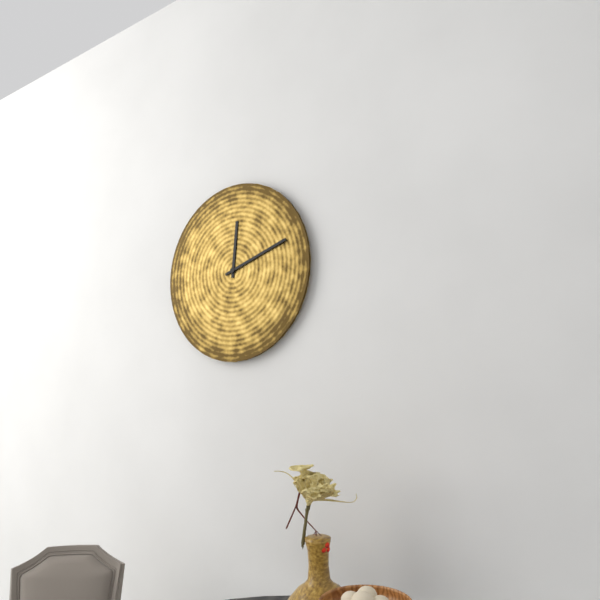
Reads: 12:12
